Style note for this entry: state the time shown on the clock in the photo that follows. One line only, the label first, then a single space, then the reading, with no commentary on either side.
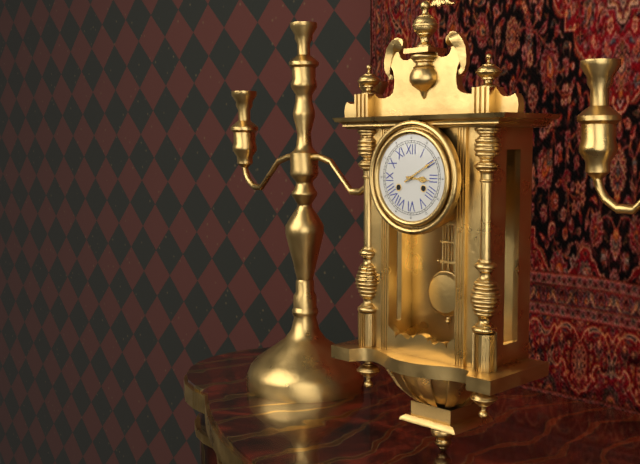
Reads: 3:10
